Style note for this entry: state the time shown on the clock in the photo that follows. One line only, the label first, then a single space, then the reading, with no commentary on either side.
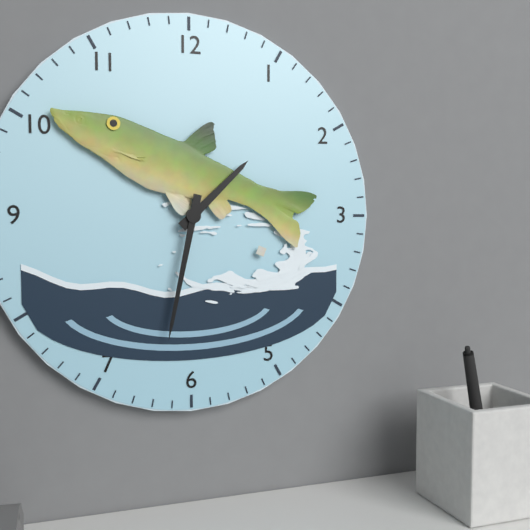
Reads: 1:32
